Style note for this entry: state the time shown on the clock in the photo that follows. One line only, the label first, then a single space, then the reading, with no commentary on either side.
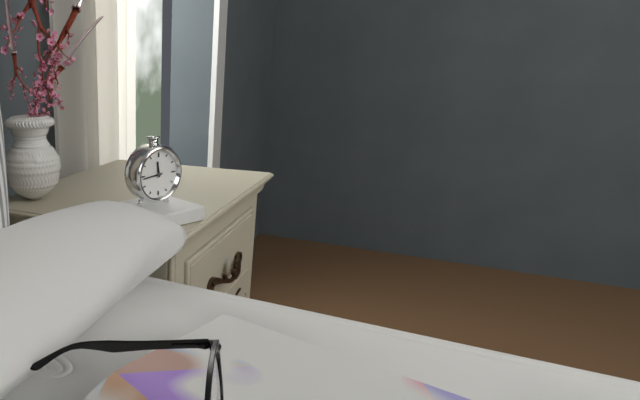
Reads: 11:44
